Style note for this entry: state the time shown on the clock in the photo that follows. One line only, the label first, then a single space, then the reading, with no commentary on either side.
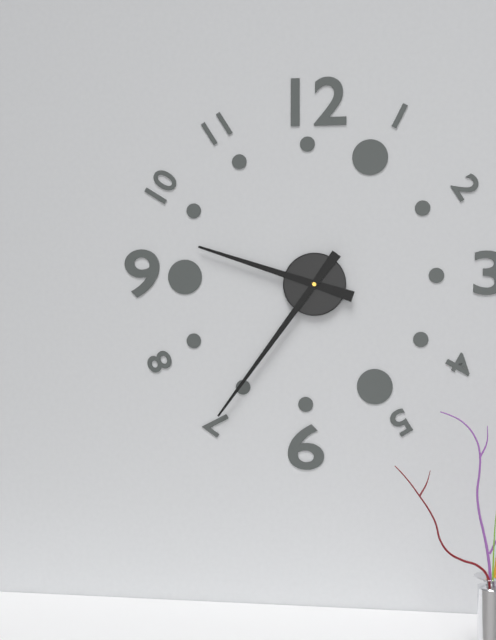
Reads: 9:36
